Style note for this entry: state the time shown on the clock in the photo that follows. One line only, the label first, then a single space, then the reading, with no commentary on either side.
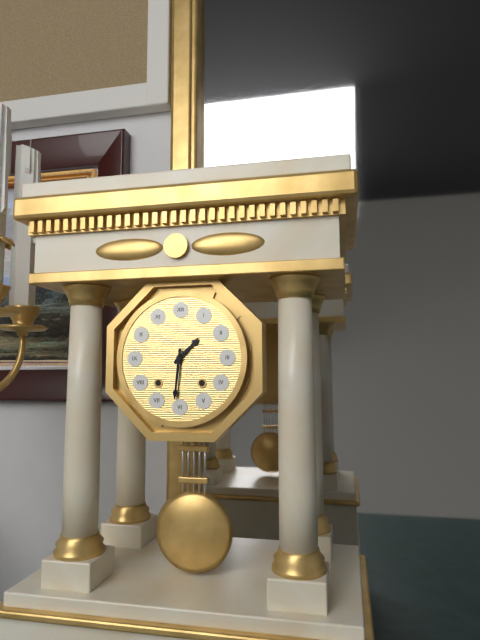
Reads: 1:31
